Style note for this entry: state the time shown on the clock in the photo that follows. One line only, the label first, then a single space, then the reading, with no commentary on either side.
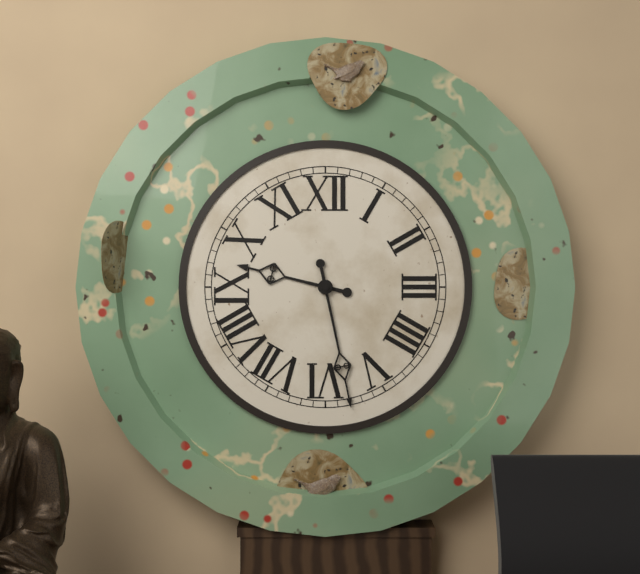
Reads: 9:28
